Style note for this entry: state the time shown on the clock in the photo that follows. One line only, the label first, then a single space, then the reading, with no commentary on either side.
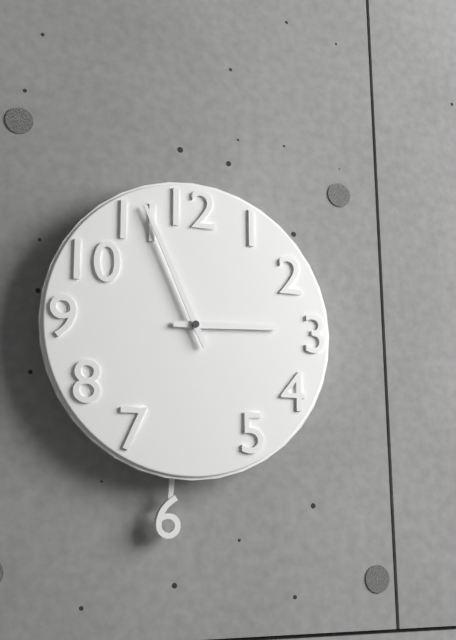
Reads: 2:56
